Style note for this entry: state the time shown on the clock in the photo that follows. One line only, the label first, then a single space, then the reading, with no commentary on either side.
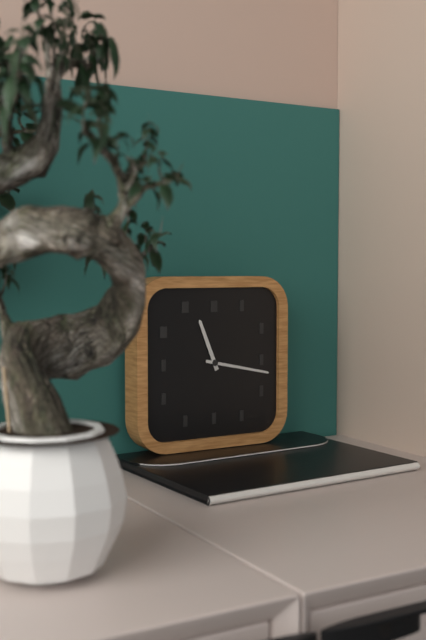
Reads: 11:17
